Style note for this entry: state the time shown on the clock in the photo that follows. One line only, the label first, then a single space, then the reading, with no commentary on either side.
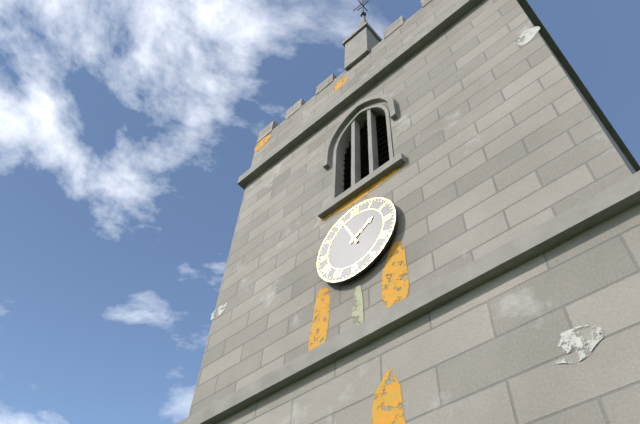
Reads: 1:56
